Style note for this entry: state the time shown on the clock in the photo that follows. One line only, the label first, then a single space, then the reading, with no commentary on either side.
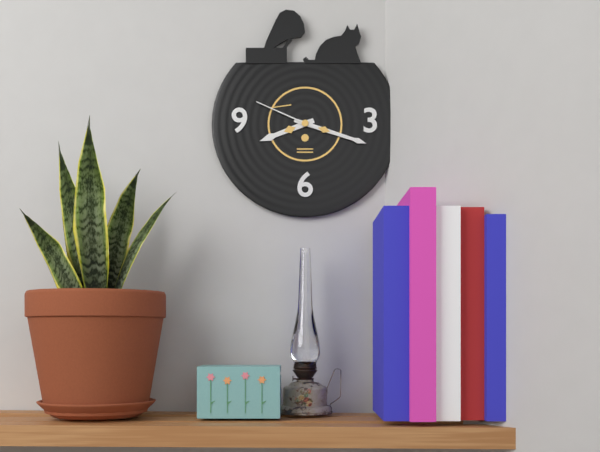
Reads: 8:18:49
